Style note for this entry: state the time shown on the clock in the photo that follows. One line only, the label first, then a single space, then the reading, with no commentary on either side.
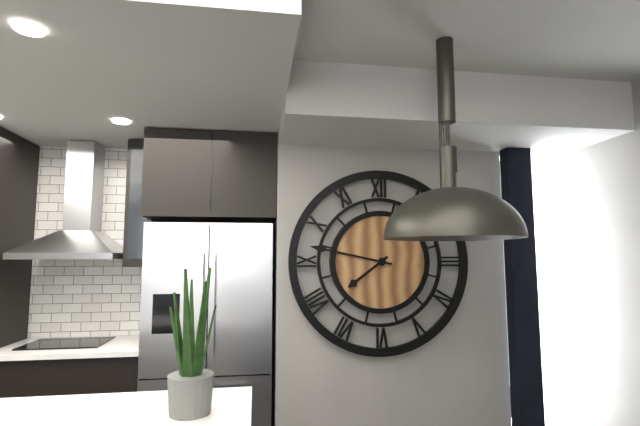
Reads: 7:47
